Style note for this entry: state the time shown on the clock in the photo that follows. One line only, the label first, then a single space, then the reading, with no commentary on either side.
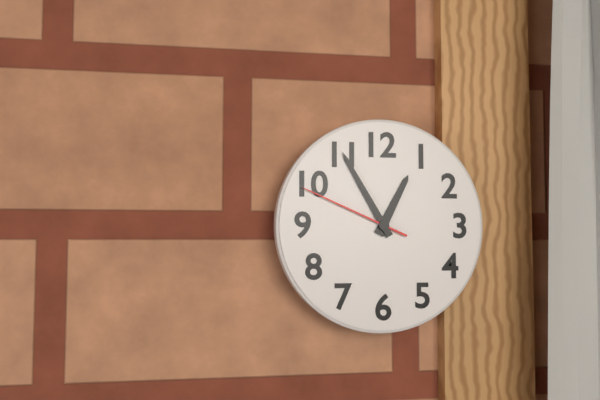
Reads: 12:55:49
